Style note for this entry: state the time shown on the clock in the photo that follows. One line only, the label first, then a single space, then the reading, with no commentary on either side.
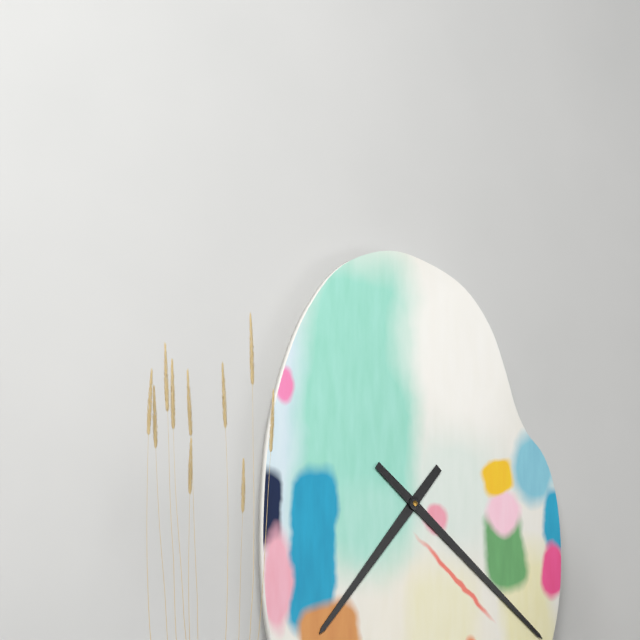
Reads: 7:21
